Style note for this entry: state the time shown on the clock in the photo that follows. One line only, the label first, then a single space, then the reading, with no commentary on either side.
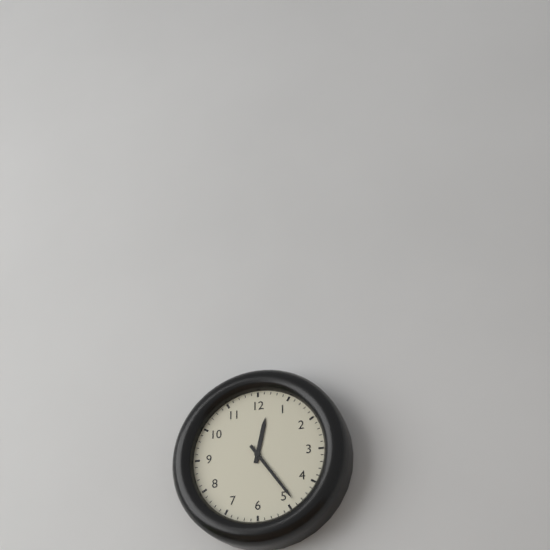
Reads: 12:24
